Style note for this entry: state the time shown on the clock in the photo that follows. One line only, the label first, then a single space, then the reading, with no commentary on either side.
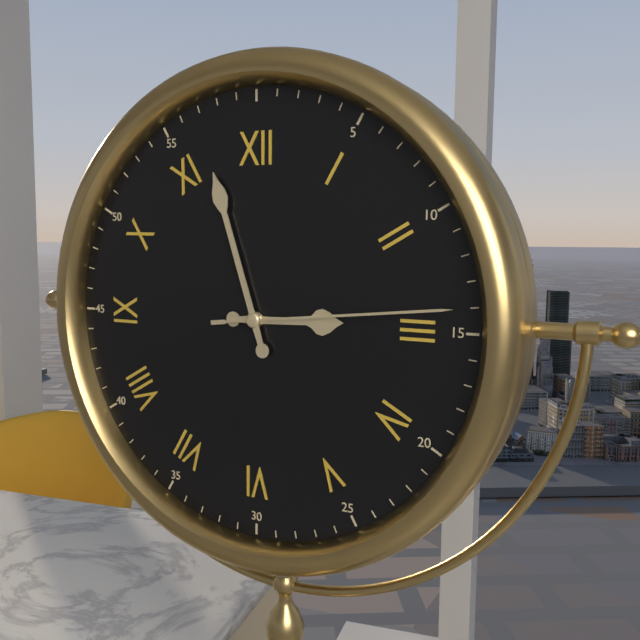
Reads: 2:57:14
